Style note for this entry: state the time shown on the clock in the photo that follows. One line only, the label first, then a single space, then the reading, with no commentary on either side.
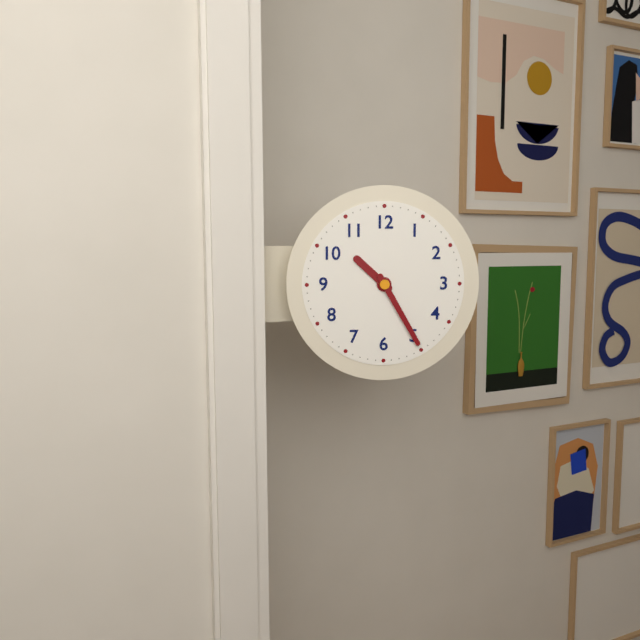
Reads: 10:25
